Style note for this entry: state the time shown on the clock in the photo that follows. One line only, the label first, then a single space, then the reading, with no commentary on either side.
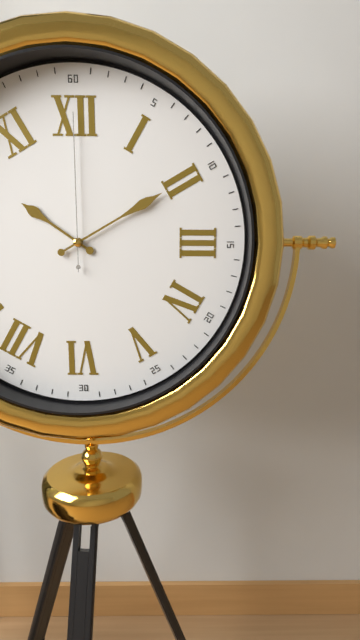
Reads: 10:10:00
